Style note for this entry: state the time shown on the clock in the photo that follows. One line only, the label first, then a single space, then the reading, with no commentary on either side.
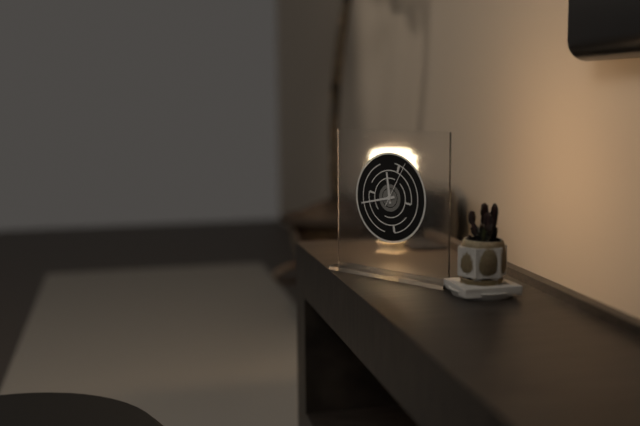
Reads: 11:43
